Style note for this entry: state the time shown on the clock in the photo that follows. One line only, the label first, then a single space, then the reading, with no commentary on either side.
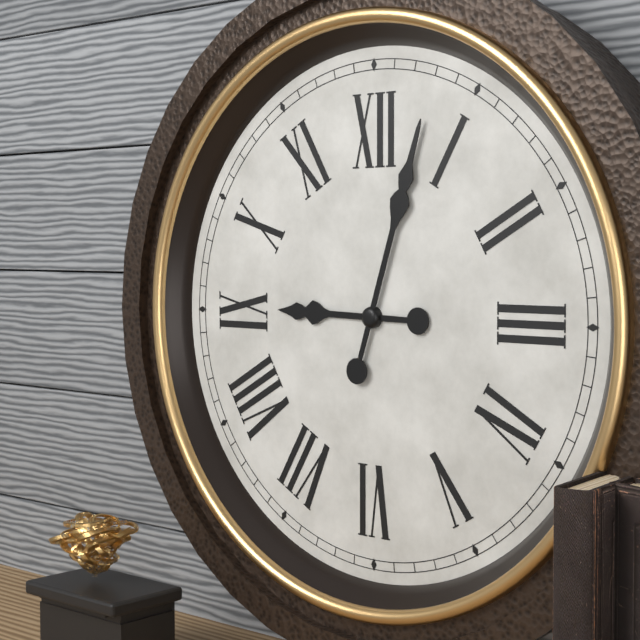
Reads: 9:03
